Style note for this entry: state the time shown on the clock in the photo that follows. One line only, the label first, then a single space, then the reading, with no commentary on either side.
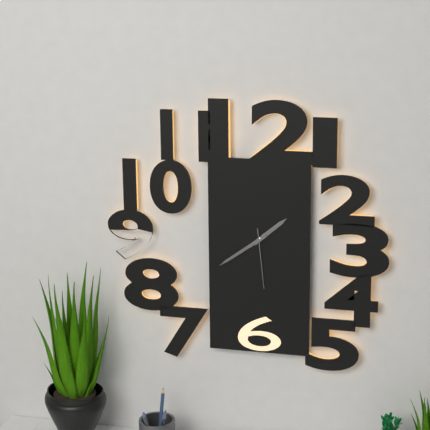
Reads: 1:39:29
